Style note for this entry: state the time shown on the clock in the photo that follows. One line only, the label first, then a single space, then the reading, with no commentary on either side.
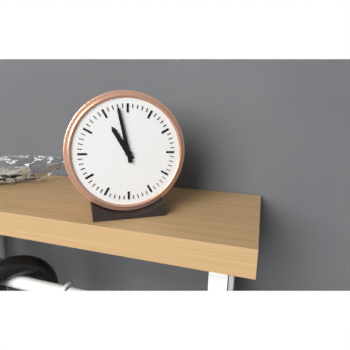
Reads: 10:58
